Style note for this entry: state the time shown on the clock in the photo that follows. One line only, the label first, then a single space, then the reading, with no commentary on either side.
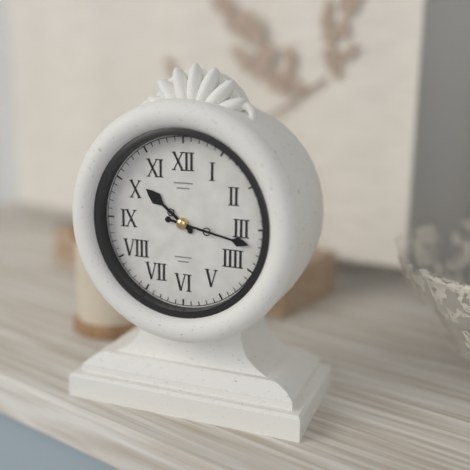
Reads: 10:17
